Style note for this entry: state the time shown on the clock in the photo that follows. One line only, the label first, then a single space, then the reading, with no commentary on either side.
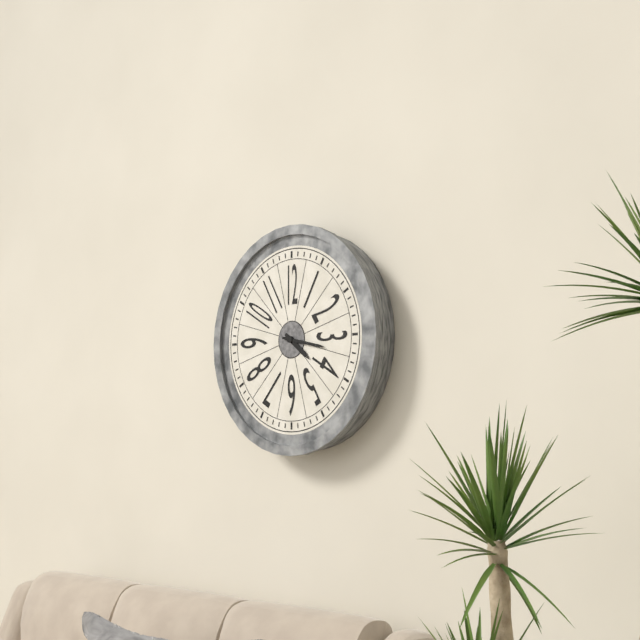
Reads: 4:17
